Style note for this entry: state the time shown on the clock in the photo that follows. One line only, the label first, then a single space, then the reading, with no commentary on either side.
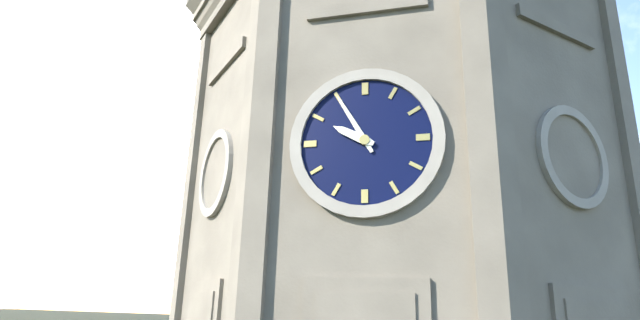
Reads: 9:55
